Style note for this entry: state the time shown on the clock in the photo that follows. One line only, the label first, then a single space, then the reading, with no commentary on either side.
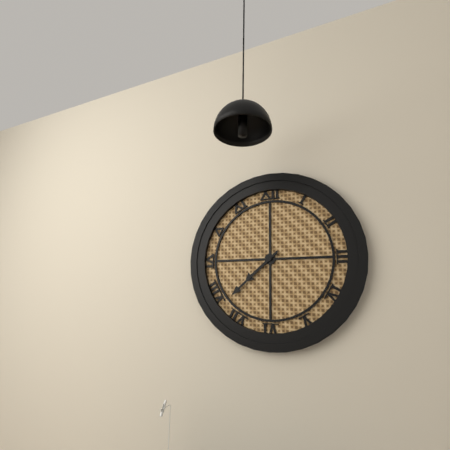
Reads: 7:38
